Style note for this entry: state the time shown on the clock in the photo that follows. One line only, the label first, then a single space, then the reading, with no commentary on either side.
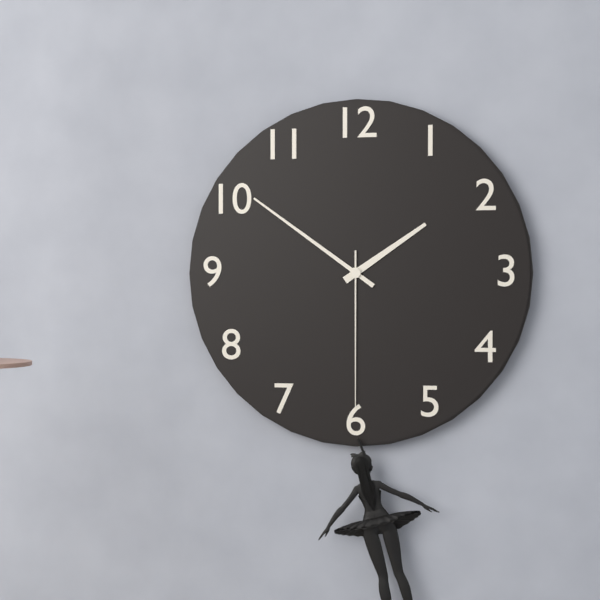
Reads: 1:51:30
